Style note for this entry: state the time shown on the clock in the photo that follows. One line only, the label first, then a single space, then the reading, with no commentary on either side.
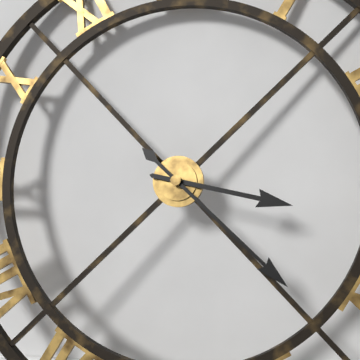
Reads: 3:22
